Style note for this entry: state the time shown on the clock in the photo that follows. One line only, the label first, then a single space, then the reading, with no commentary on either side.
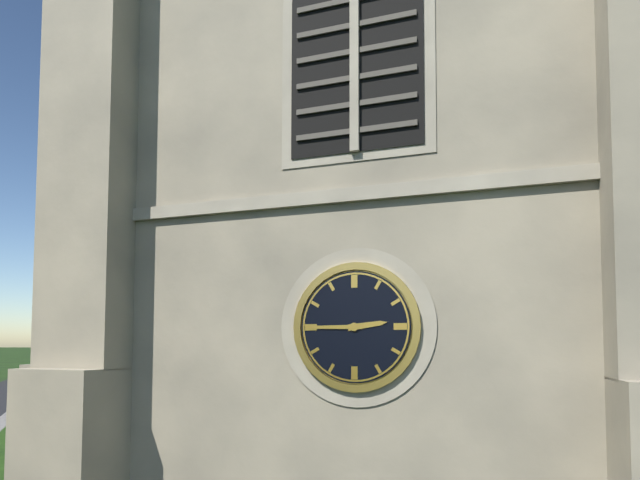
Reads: 2:45
